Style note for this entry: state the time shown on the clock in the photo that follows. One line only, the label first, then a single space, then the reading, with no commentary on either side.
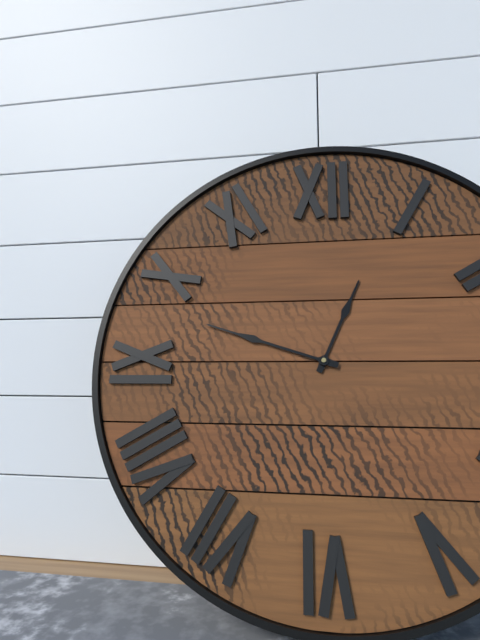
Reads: 12:48
